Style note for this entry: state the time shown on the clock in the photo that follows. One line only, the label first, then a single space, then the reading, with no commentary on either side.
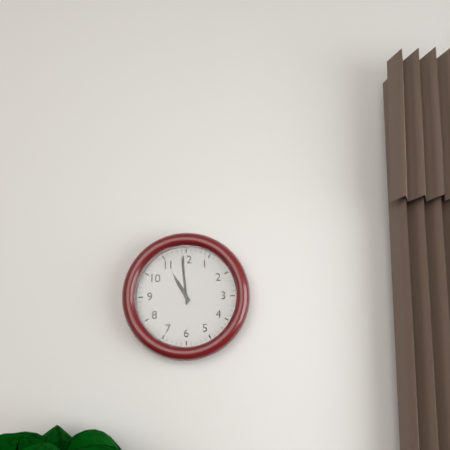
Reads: 10:59
